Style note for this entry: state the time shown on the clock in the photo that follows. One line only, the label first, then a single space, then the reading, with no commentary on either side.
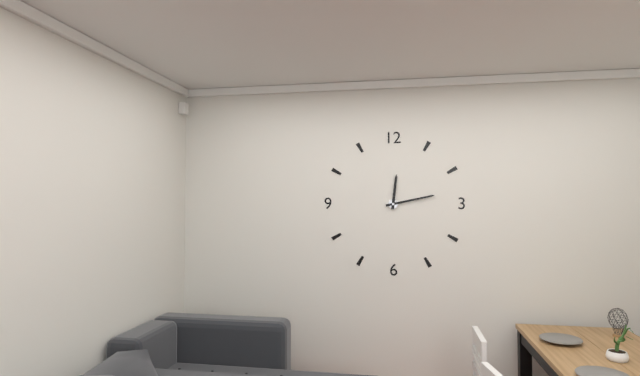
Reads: 12:13
